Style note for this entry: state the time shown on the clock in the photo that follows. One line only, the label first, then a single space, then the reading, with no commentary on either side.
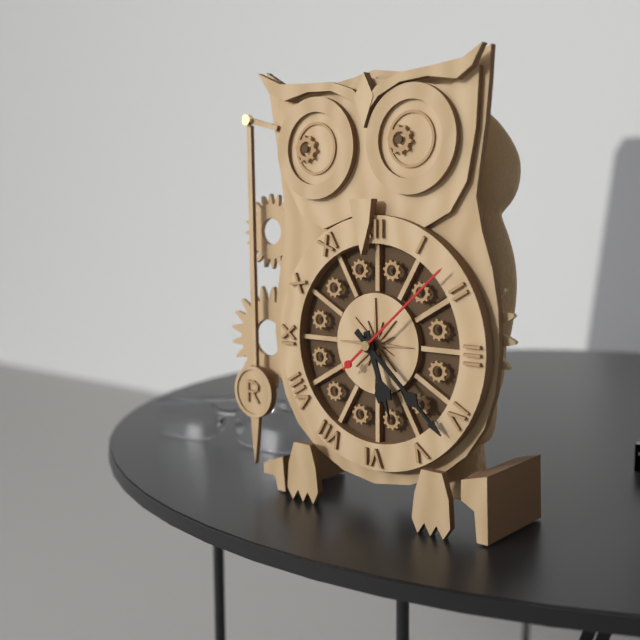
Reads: 5:22:08
